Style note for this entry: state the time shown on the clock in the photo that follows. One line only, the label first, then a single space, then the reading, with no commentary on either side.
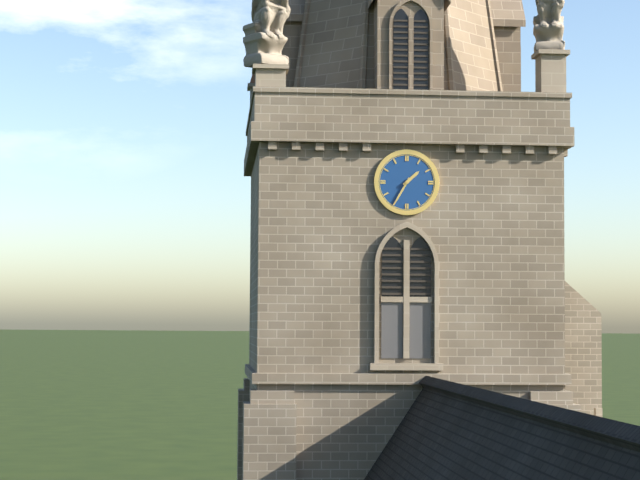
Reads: 1:35
